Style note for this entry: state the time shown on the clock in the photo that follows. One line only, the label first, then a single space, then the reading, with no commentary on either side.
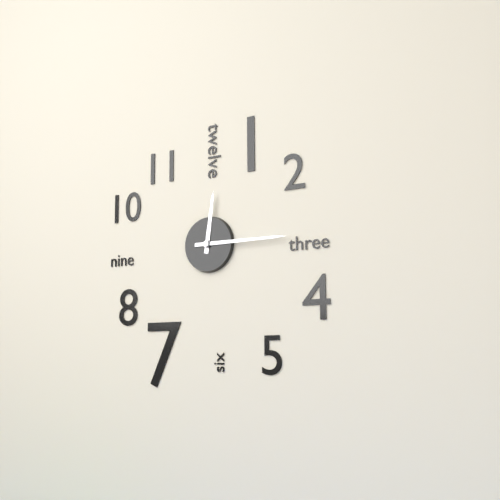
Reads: 12:15
